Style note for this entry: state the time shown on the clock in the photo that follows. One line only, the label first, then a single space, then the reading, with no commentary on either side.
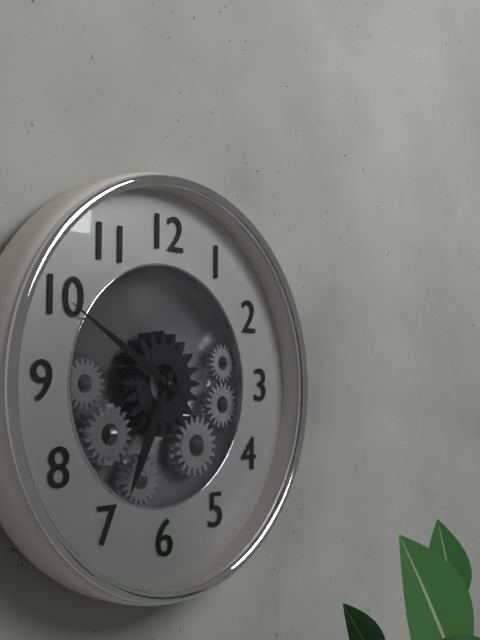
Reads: 6:50
